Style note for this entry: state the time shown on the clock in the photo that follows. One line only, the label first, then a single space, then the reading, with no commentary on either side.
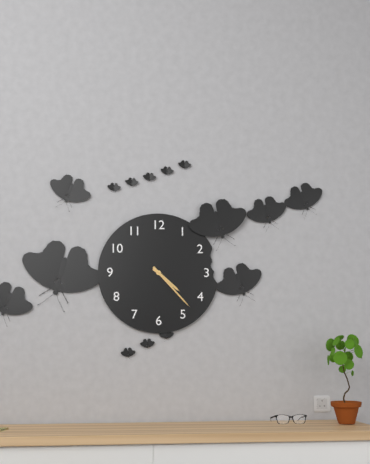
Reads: 4:23
